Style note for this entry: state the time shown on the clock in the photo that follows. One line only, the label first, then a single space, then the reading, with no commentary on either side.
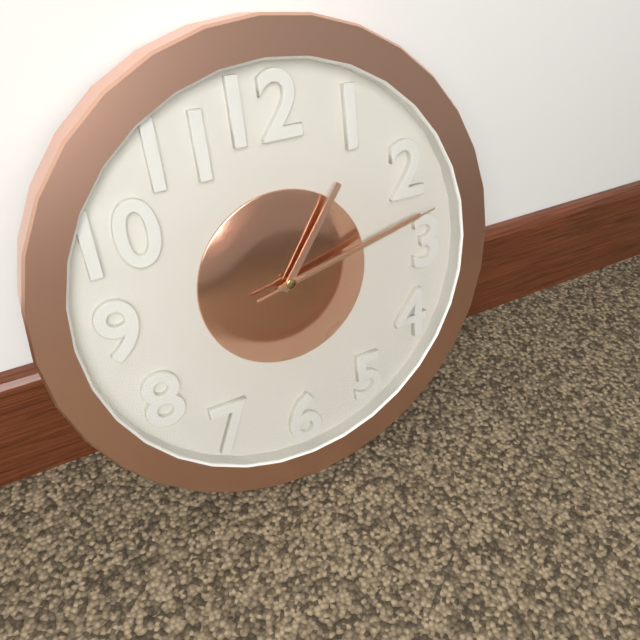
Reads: 1:13:13
